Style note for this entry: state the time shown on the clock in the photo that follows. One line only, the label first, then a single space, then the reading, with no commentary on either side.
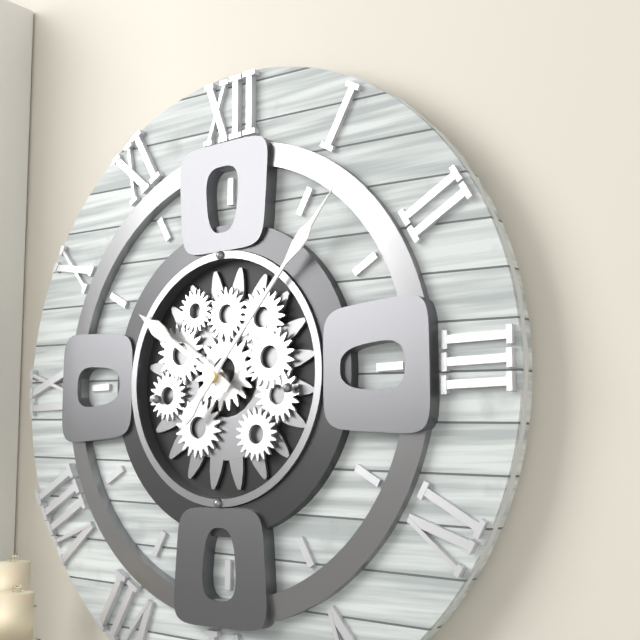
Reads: 10:07
